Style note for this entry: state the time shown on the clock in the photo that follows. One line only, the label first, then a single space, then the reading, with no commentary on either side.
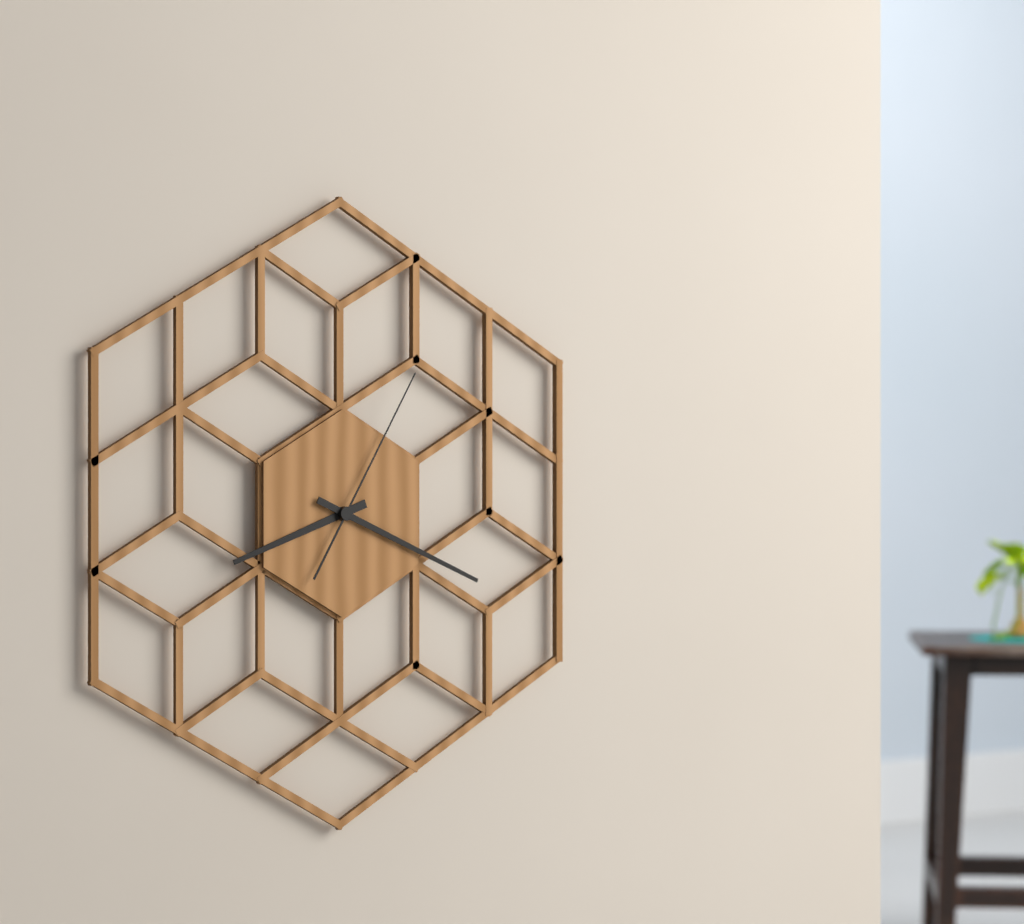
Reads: 8:19:05
